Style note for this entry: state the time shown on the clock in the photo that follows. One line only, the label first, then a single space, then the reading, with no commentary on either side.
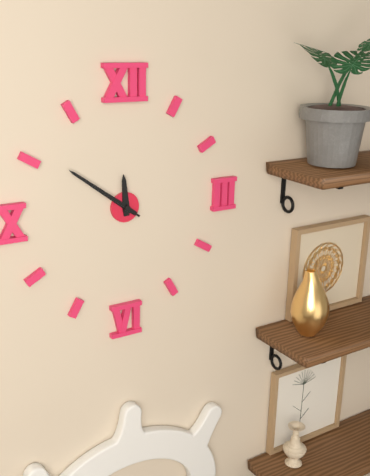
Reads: 11:51:51
